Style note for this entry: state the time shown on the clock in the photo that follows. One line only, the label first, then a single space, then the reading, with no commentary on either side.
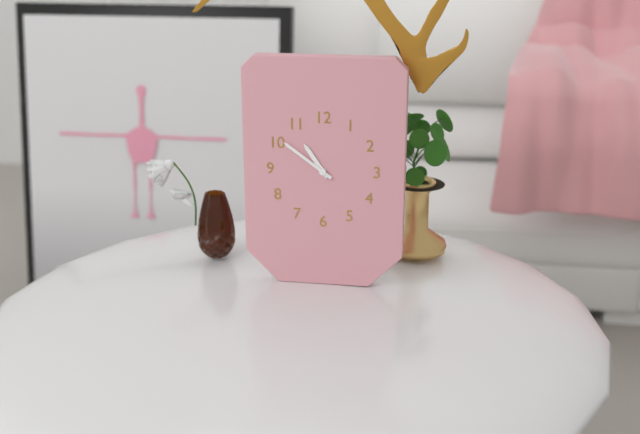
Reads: 10:51
